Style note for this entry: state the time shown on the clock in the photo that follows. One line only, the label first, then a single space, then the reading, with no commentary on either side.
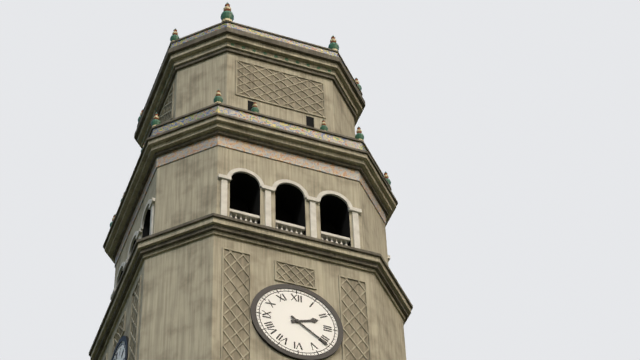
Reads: 2:21
